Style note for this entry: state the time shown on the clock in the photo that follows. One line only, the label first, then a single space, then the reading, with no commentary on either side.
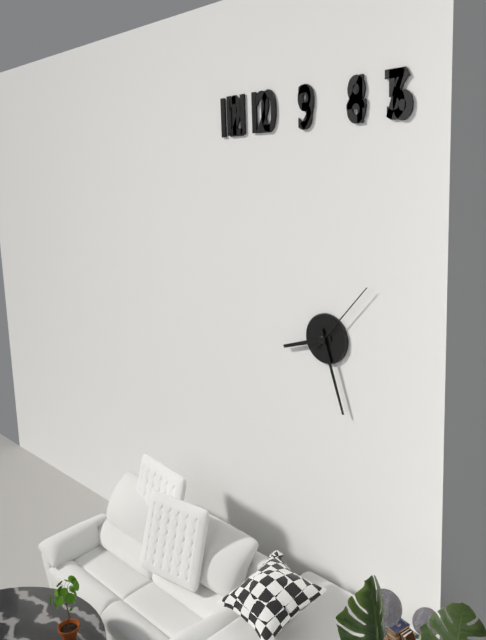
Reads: 8:27:07
